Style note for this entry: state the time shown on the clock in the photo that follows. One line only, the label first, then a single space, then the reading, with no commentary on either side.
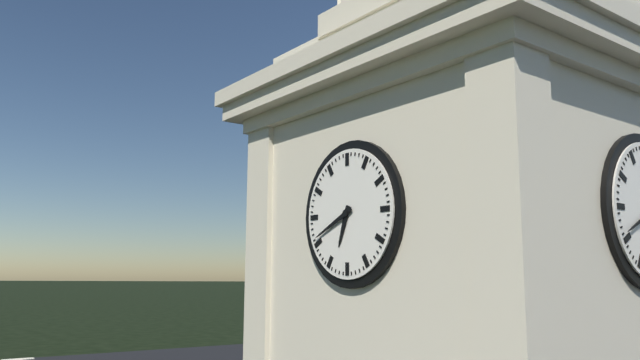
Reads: 6:41
